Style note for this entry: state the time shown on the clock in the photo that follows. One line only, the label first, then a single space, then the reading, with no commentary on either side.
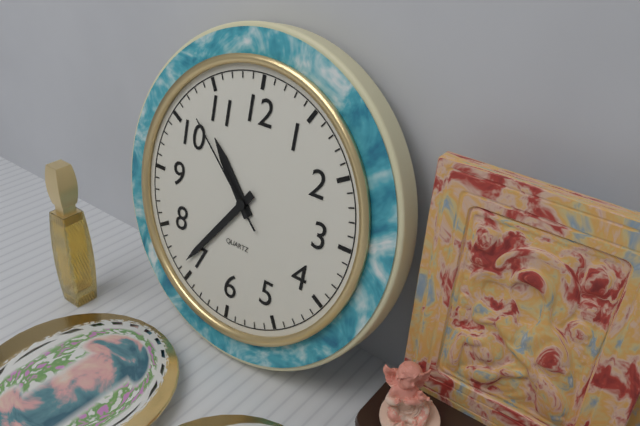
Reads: 10:36:52
